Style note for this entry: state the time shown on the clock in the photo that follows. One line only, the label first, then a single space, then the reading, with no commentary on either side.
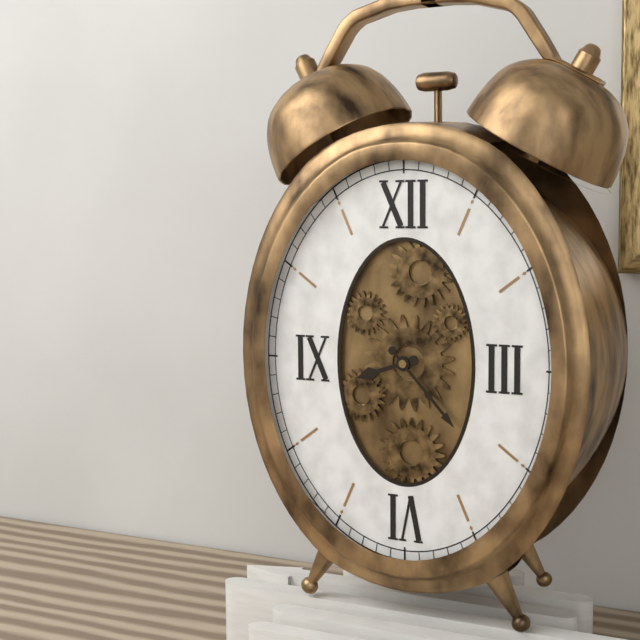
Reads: 8:23
